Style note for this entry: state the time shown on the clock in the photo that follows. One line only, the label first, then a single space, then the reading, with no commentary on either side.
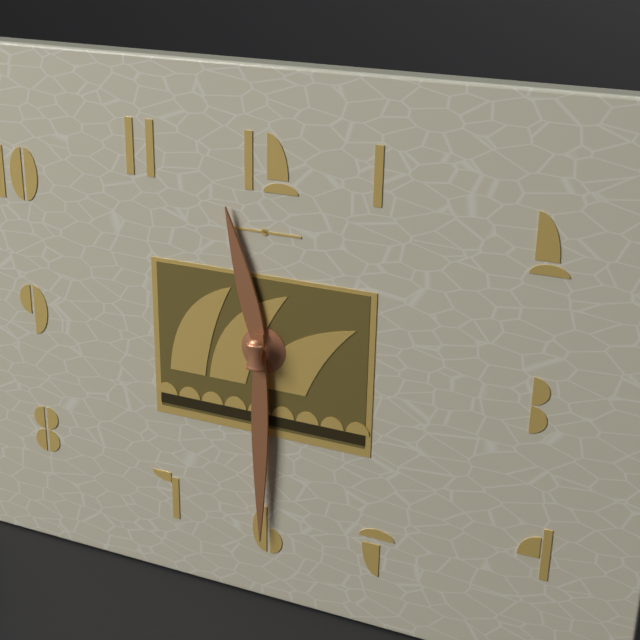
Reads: 11:30
